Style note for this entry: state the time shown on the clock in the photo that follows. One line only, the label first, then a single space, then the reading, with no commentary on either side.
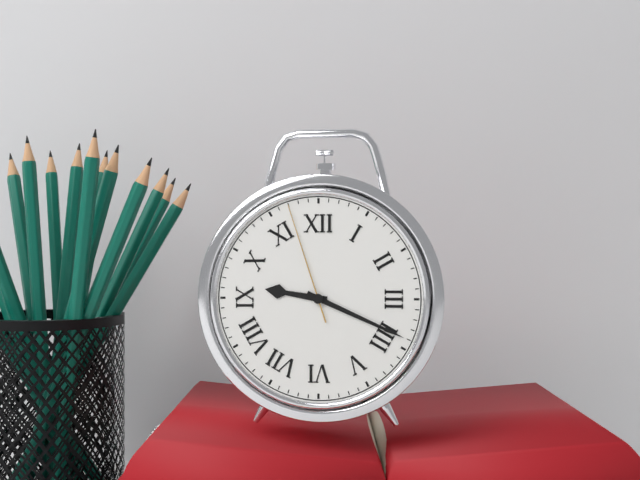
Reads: 9:19:57
